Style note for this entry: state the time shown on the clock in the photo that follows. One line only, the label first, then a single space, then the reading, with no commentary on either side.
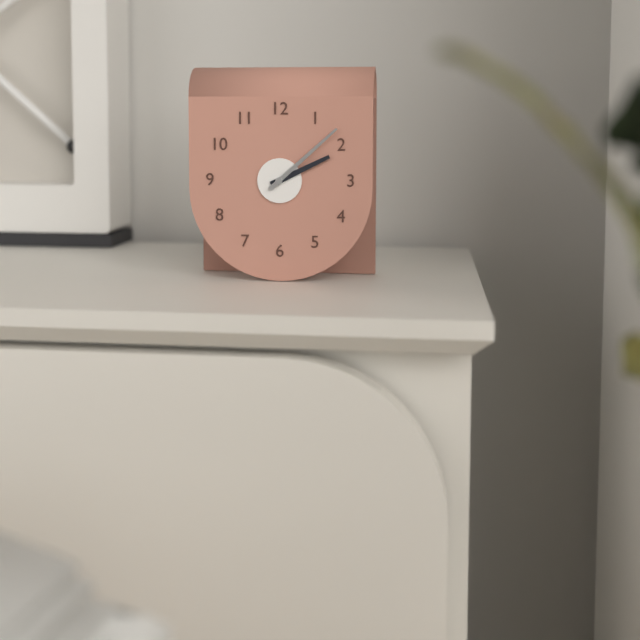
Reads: 2:08
